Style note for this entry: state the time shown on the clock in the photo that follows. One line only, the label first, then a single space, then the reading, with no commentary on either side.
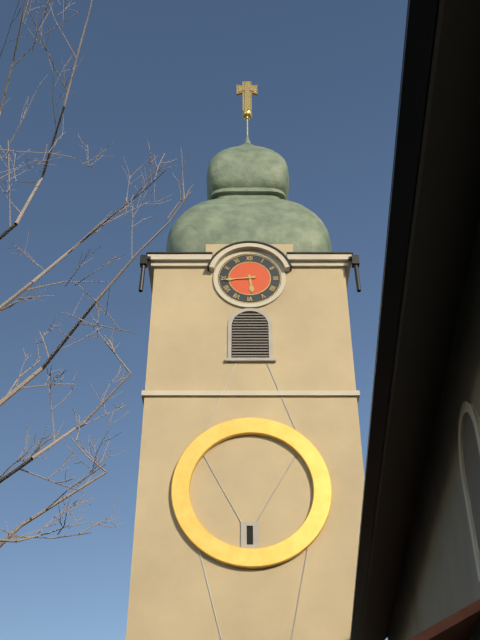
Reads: 5:44
